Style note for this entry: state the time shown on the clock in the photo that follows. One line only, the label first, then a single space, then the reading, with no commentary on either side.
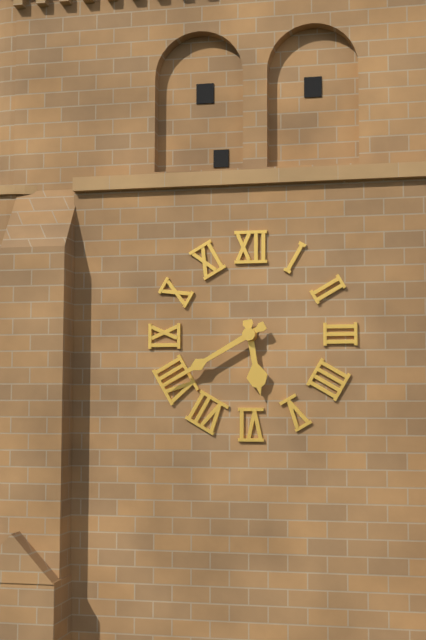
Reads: 5:40
